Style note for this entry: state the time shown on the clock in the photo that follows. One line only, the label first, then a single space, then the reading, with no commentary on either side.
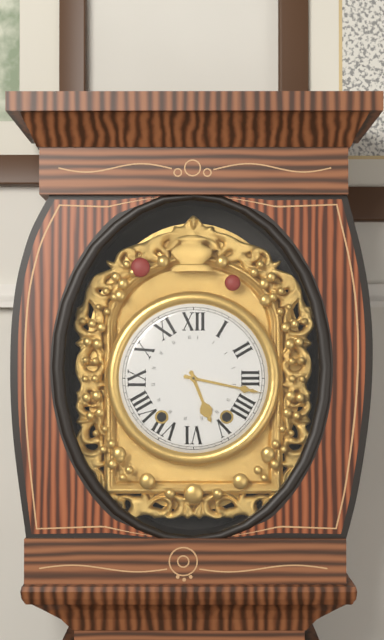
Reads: 5:17
